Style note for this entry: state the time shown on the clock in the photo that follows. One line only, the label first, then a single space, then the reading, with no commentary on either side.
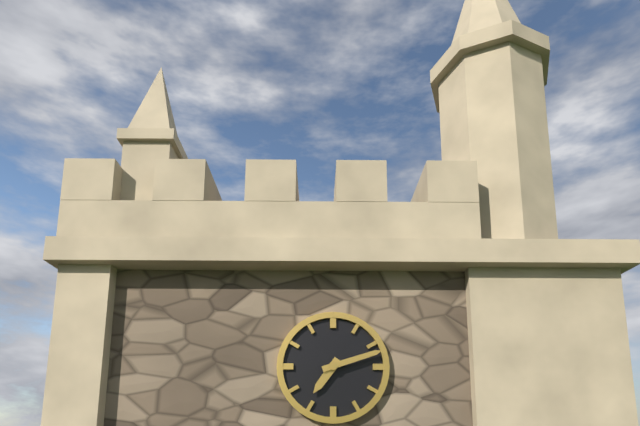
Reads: 7:12
